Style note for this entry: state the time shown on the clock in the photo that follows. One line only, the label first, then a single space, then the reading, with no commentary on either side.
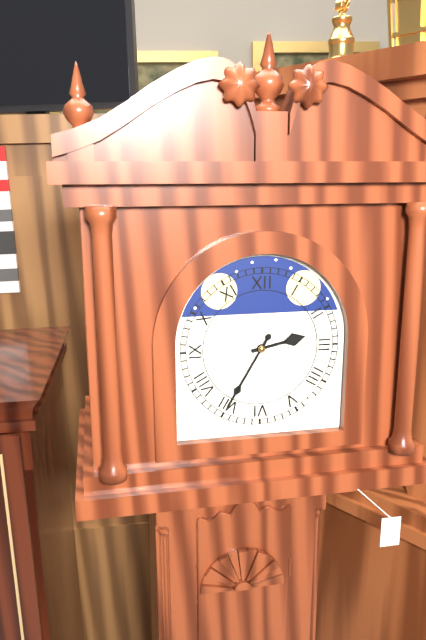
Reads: 2:35
